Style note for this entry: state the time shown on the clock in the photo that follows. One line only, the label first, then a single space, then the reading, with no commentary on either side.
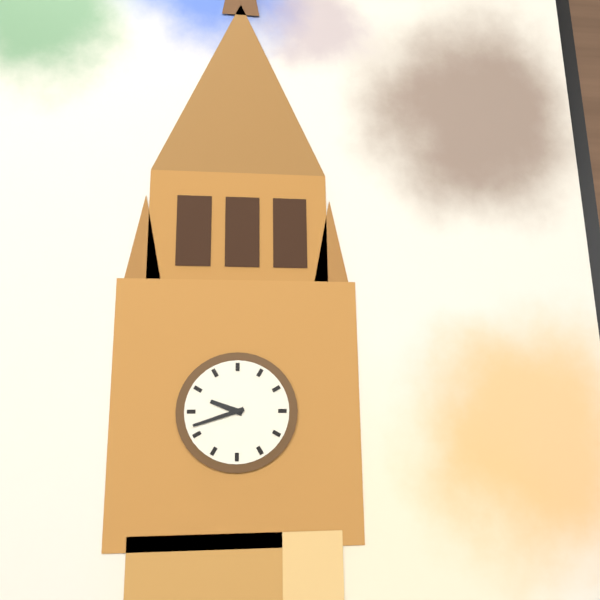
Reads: 9:42
